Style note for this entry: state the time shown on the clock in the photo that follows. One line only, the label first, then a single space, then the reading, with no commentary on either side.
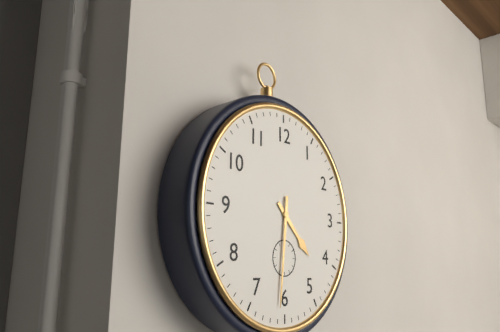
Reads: 4:31
